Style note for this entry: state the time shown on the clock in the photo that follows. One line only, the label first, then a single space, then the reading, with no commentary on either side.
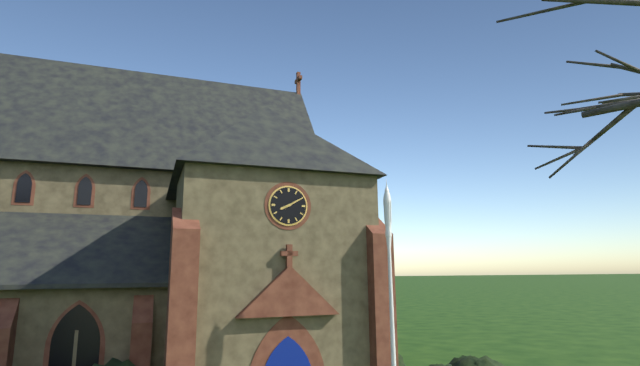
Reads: 8:10
